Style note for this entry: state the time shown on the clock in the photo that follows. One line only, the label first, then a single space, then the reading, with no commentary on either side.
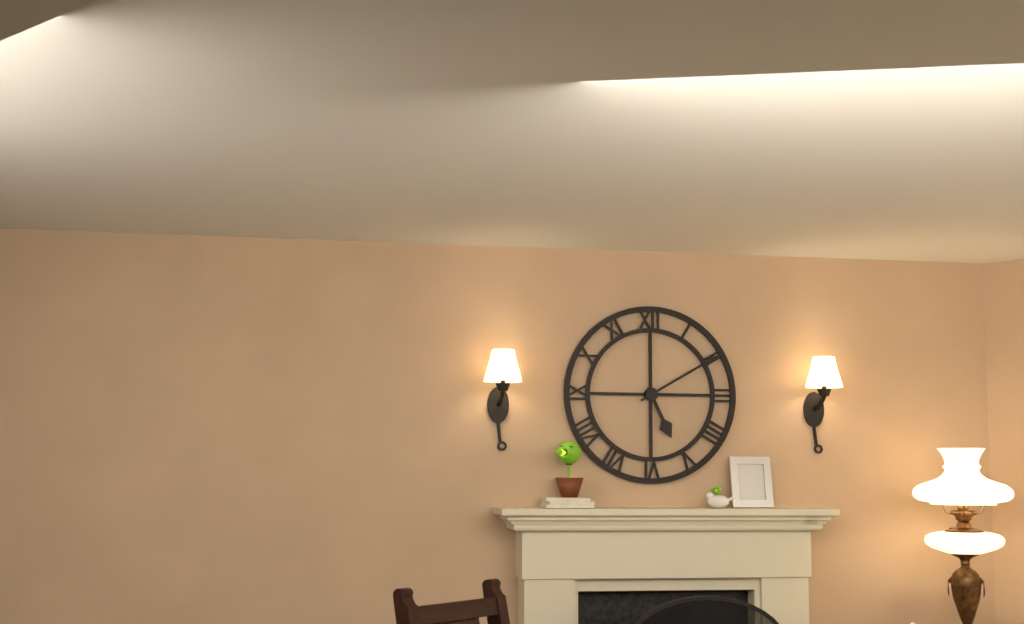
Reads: 5:10
